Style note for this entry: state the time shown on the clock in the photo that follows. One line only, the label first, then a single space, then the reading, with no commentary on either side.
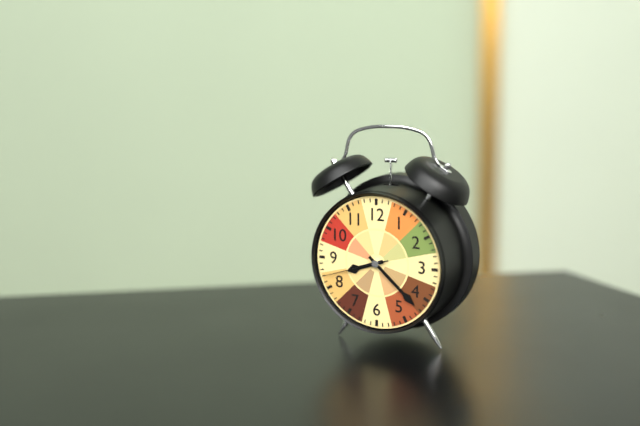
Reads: 8:22:42
